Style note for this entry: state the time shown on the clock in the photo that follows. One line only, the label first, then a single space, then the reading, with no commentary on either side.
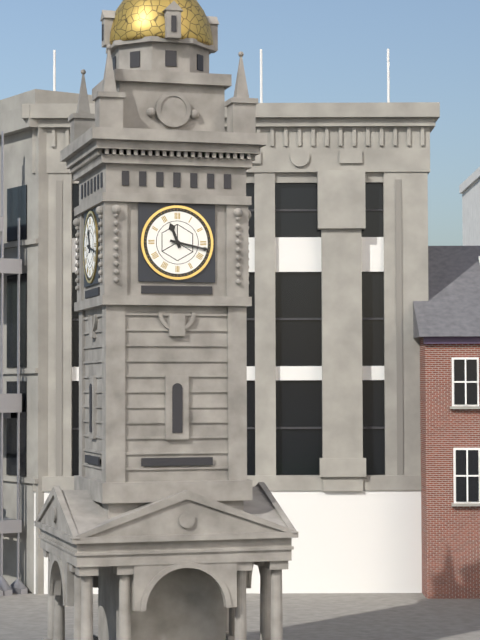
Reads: 11:17
